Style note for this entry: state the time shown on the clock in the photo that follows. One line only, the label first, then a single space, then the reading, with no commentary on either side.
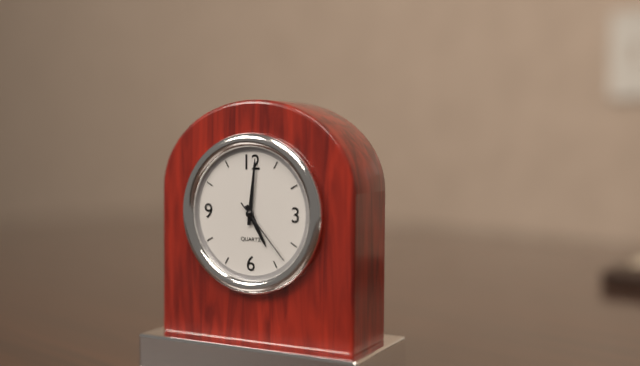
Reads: 5:01:23
